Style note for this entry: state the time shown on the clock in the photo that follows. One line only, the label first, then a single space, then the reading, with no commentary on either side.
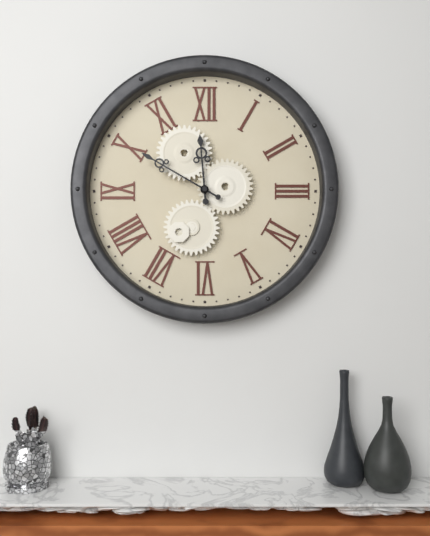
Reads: 11:50
